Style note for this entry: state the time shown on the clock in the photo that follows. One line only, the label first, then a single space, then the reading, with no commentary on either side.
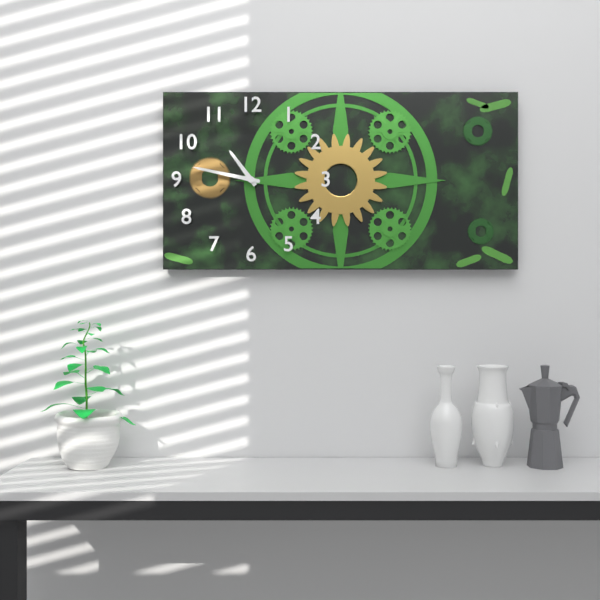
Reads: 10:47
